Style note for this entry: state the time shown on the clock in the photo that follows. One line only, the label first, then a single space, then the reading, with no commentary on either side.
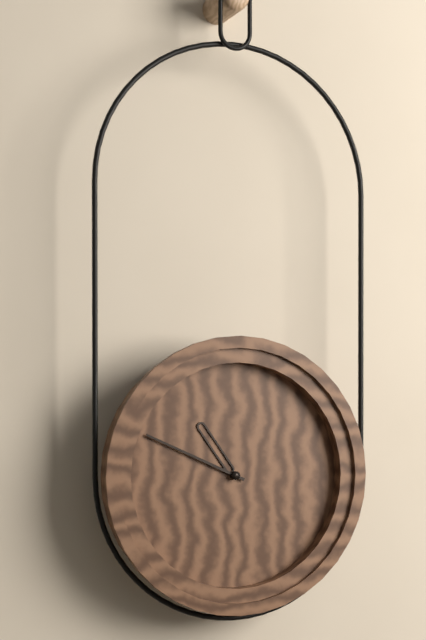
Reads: 10:49
